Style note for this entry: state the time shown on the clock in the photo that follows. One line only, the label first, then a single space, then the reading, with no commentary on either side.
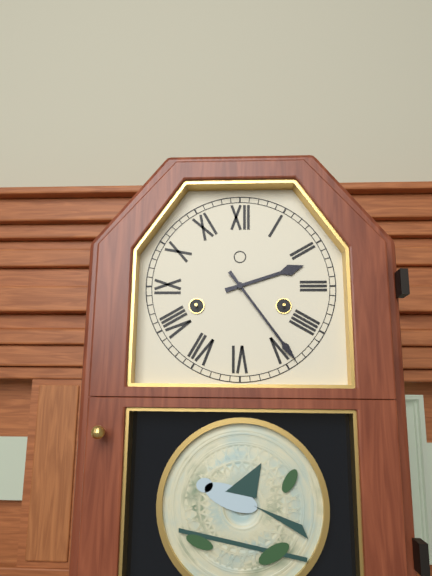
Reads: 2:24
